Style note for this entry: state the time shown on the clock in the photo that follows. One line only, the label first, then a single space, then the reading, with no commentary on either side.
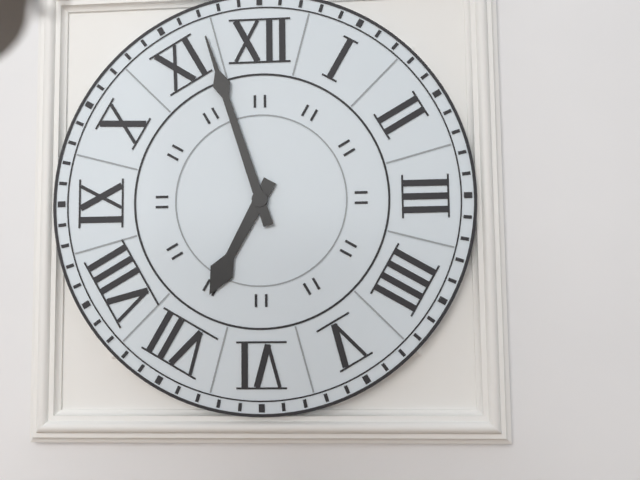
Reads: 6:57
